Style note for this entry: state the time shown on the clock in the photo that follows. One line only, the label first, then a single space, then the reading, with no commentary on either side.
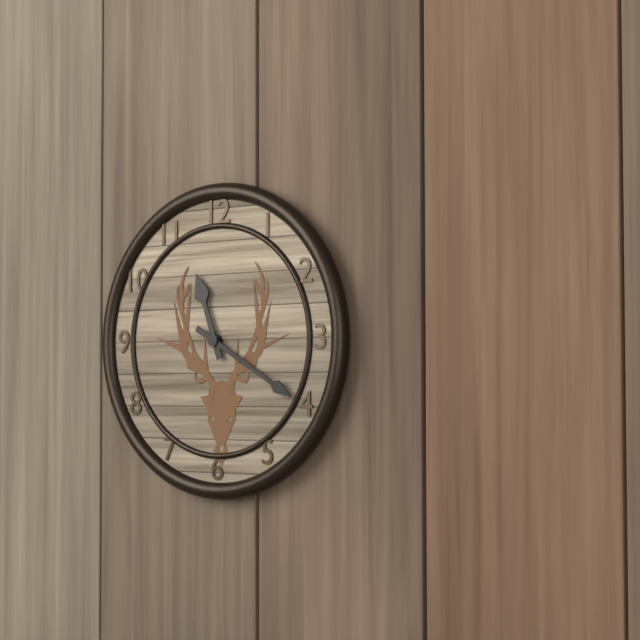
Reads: 11:20
